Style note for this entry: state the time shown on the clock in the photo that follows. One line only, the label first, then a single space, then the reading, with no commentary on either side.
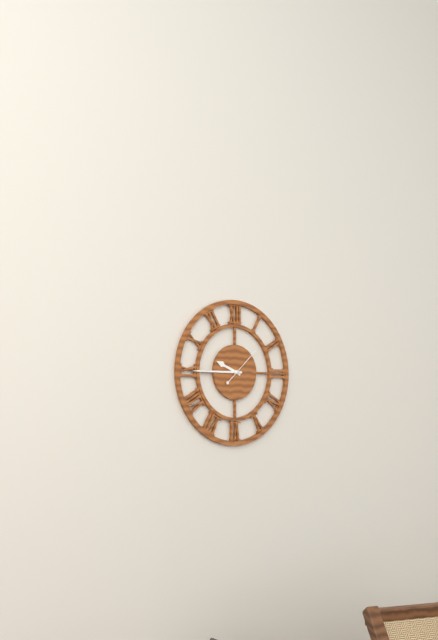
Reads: 9:45
